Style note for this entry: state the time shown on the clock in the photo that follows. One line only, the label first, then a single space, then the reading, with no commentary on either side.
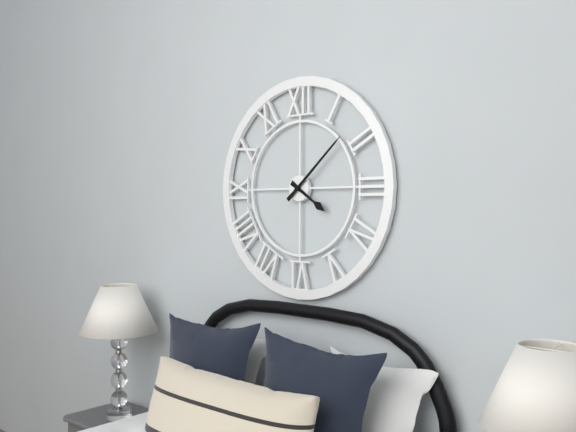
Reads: 4:08
